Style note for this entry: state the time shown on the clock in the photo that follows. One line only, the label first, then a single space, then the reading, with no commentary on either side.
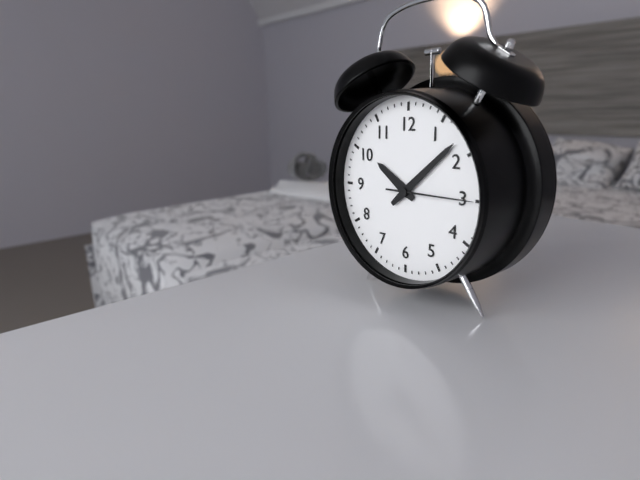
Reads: 10:08:15
